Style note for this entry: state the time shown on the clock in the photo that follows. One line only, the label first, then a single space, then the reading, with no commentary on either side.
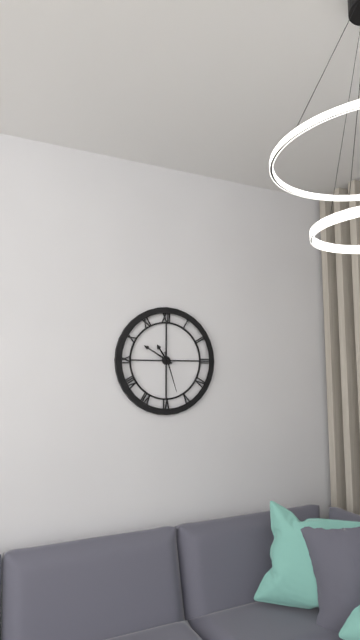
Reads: 10:50
